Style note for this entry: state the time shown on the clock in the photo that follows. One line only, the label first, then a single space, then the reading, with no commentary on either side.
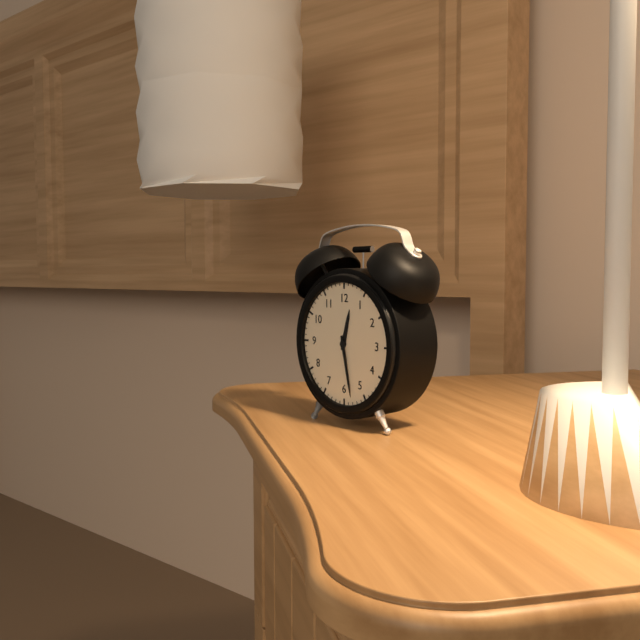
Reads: 12:28
